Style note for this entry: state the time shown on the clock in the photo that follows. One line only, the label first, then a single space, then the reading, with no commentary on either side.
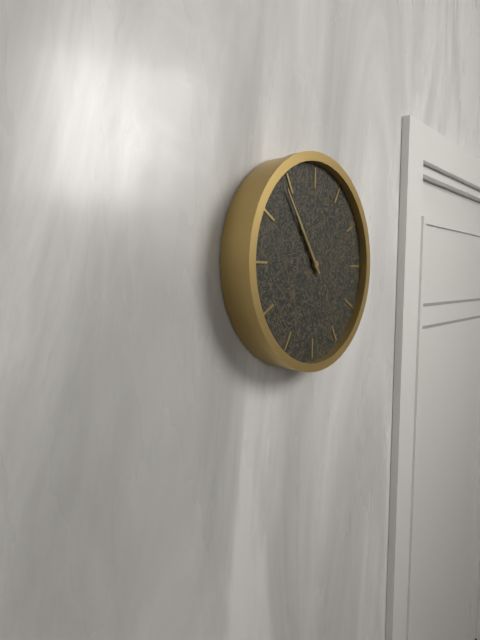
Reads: 10:54
